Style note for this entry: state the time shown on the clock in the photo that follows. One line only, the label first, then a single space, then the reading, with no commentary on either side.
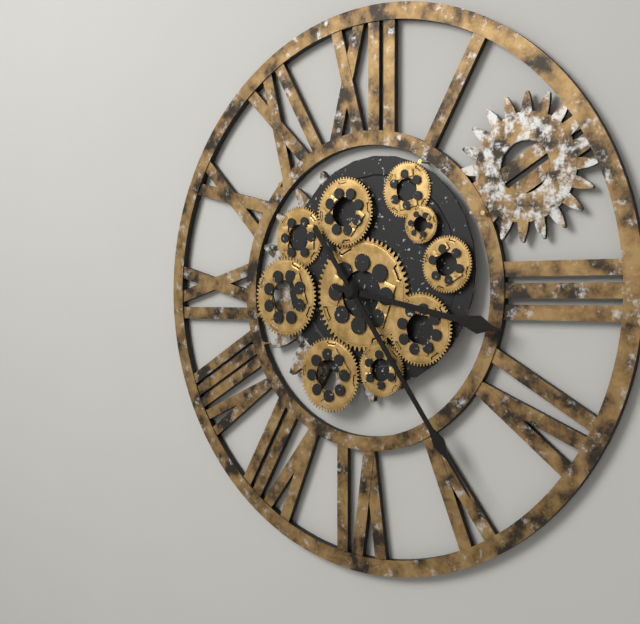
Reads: 3:24
